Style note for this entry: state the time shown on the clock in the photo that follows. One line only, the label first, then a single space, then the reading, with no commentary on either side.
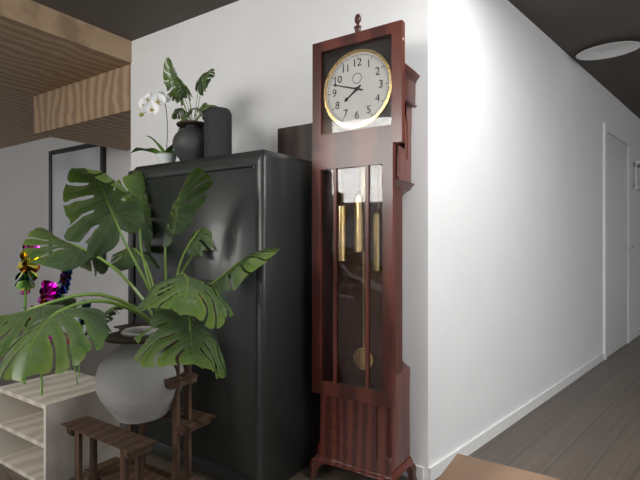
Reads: 7:48
